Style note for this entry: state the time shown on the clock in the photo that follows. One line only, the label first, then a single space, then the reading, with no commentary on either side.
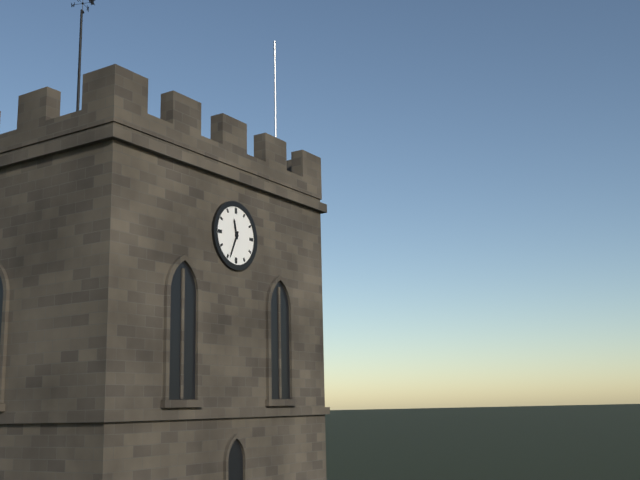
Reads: 11:34
